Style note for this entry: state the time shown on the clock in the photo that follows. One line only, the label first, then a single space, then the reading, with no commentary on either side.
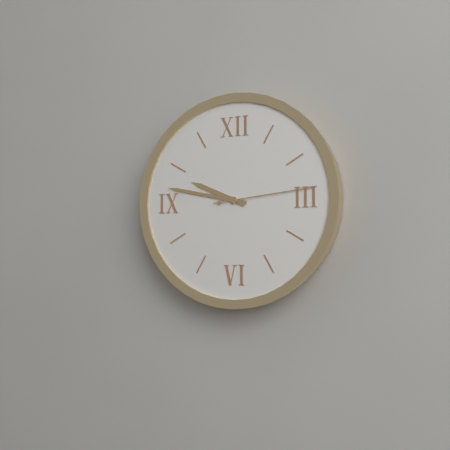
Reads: 9:47:14
